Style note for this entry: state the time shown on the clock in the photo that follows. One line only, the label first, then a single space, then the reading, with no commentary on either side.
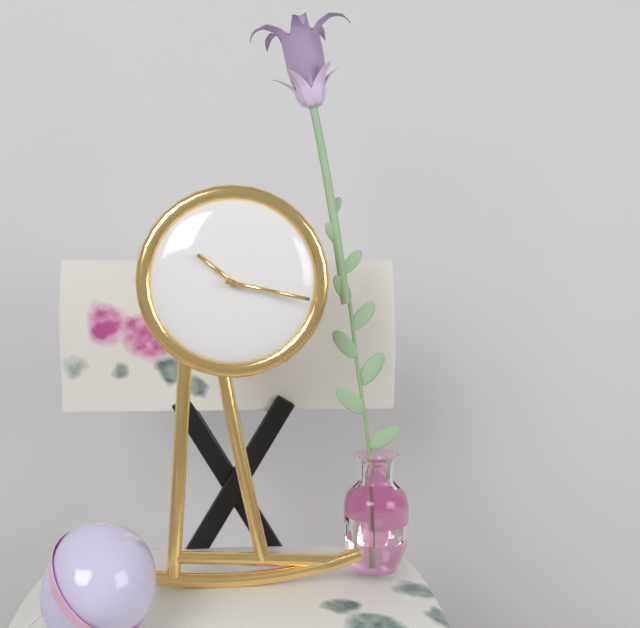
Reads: 10:17
